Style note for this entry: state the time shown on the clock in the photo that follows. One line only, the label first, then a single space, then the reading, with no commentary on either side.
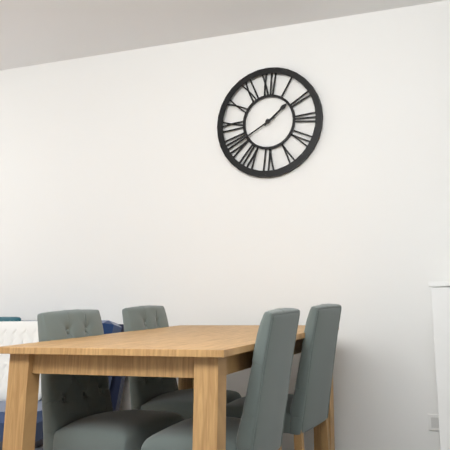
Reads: 1:40
